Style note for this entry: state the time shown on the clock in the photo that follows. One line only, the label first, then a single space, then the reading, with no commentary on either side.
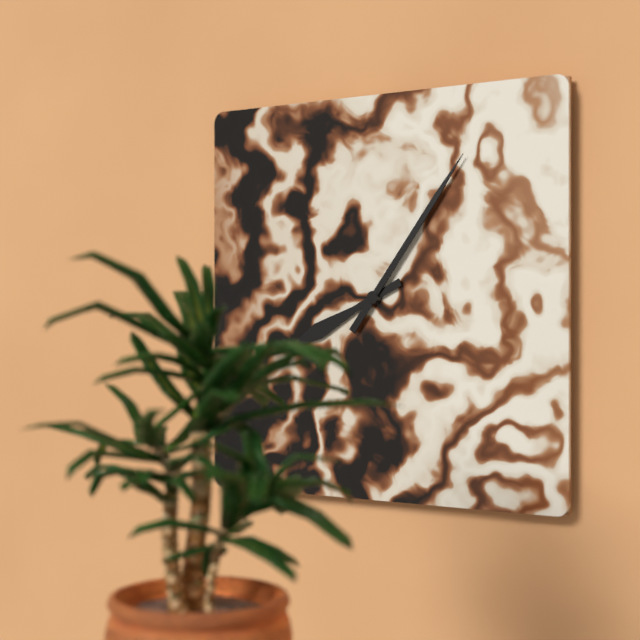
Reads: 8:06
